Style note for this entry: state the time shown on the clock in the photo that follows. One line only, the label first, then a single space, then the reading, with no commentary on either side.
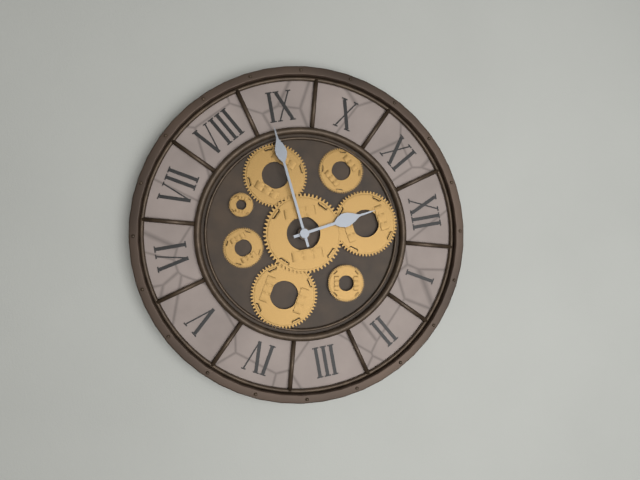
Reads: 11:44
